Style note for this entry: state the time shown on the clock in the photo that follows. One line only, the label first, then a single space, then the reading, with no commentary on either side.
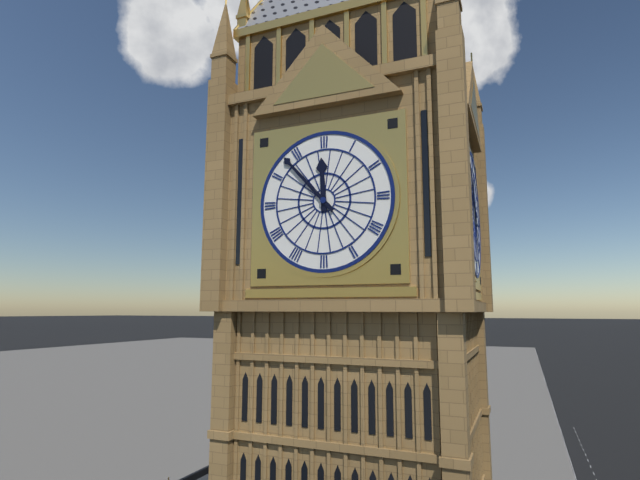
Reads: 11:53
